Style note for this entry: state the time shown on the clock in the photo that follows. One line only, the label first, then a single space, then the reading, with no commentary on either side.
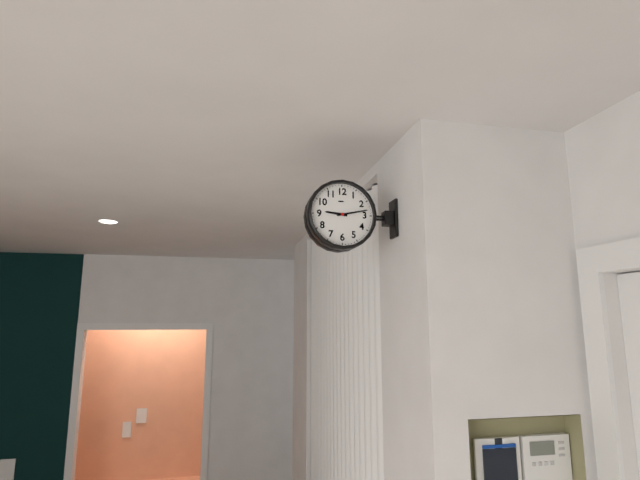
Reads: 9:13
